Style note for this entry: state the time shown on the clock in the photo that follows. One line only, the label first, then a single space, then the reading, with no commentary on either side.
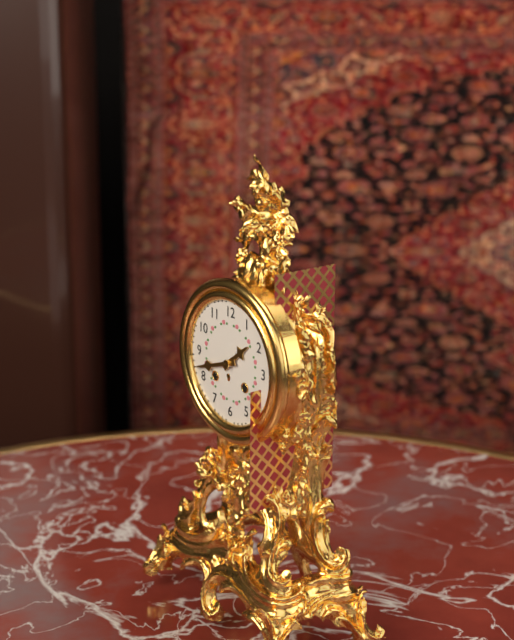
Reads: 1:42
